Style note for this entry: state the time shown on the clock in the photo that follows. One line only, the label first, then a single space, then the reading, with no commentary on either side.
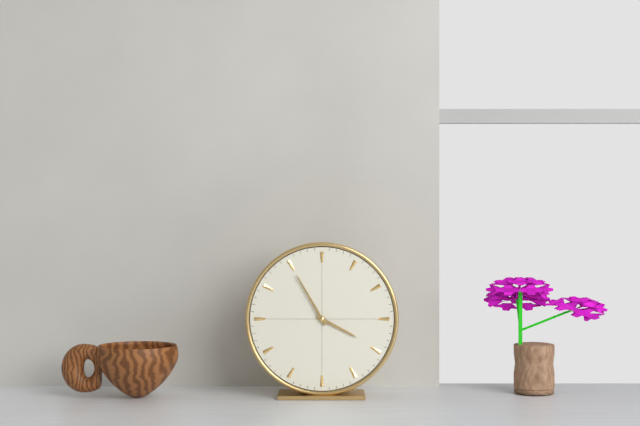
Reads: 3:55
